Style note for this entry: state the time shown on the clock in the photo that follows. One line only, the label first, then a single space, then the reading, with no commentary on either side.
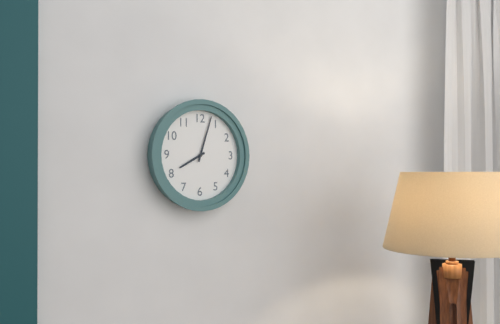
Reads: 8:03
